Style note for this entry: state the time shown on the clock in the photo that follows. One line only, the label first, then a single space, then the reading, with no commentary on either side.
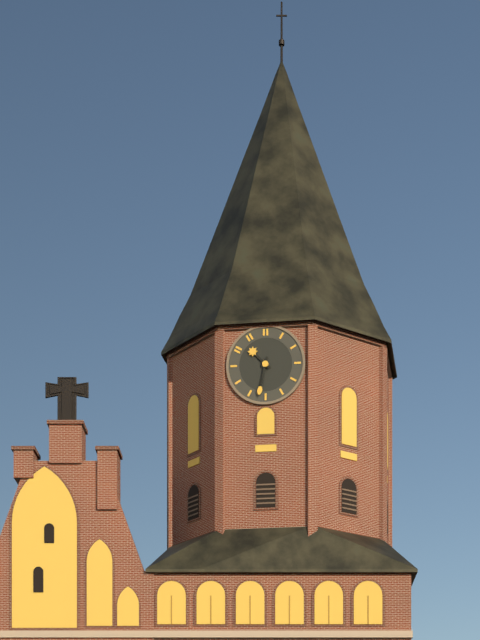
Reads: 10:32
